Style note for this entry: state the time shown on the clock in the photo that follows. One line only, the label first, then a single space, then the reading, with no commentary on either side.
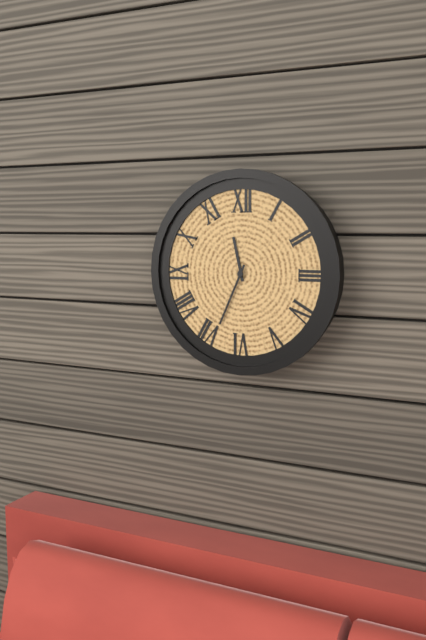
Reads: 11:34
